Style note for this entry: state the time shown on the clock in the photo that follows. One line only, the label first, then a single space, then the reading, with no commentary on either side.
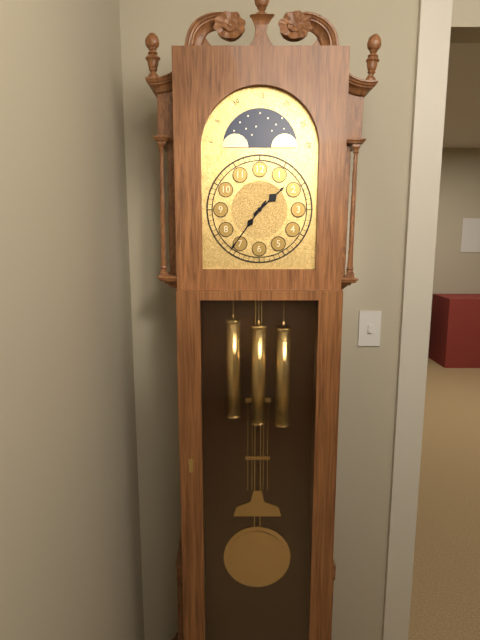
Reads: 1:36
